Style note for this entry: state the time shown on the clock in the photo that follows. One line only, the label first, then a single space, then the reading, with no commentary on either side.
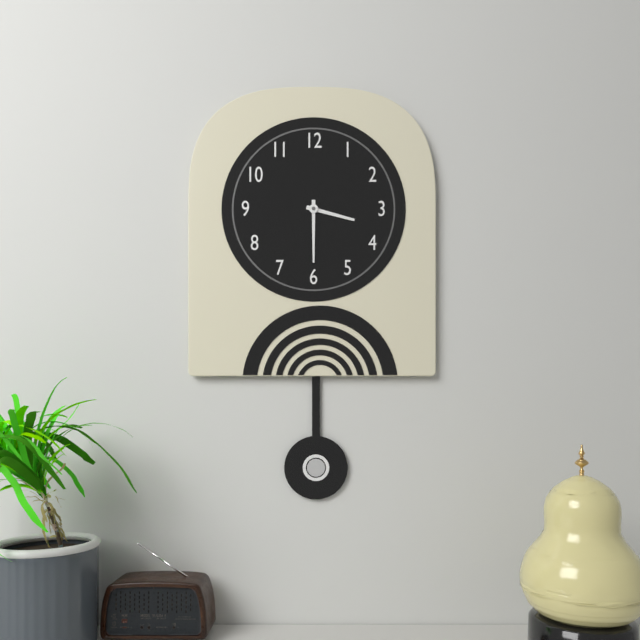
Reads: 3:30
